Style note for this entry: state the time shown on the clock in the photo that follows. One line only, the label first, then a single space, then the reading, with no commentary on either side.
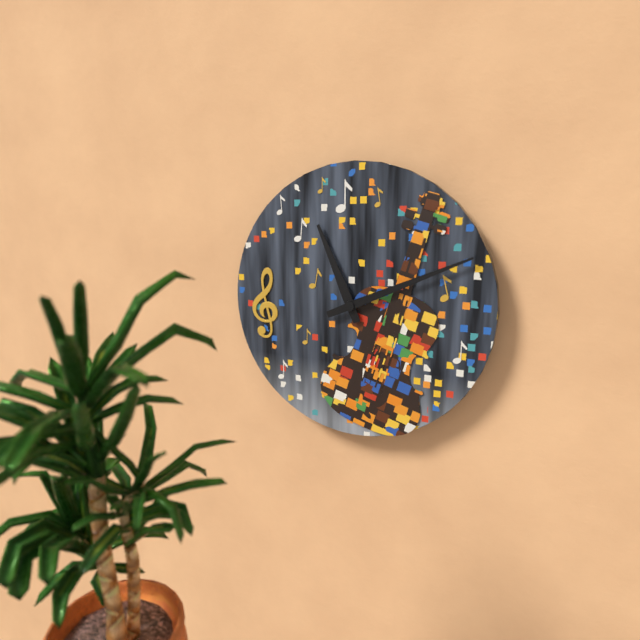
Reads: 11:11
